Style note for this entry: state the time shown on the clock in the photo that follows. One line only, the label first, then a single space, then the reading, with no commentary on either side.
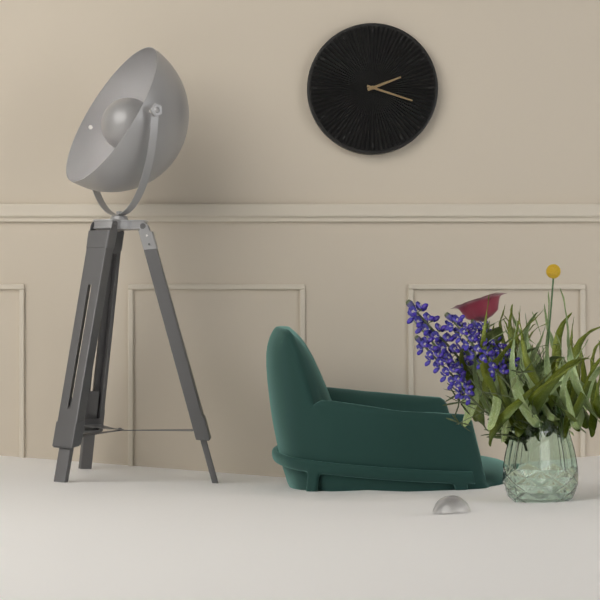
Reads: 2:18
